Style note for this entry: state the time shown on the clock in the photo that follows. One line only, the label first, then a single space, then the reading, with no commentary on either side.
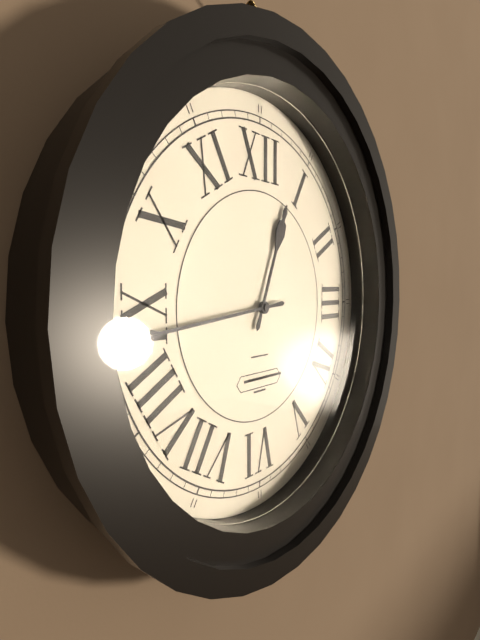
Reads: 12:44
